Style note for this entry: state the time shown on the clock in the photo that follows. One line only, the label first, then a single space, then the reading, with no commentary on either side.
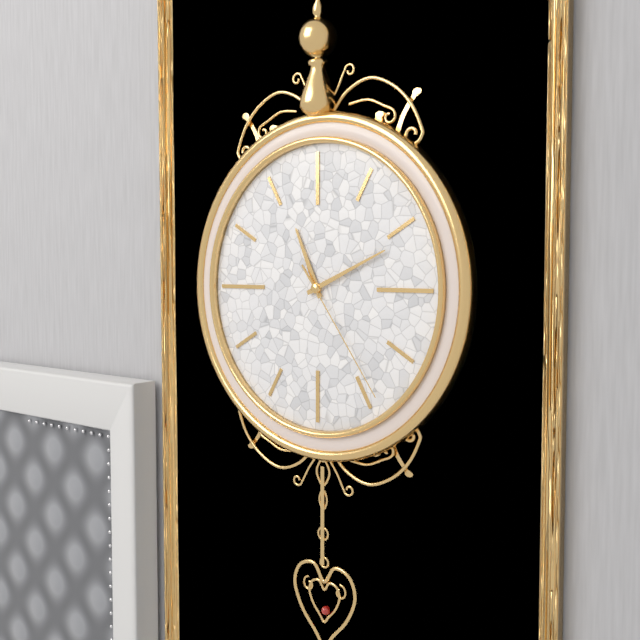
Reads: 11:11:24
